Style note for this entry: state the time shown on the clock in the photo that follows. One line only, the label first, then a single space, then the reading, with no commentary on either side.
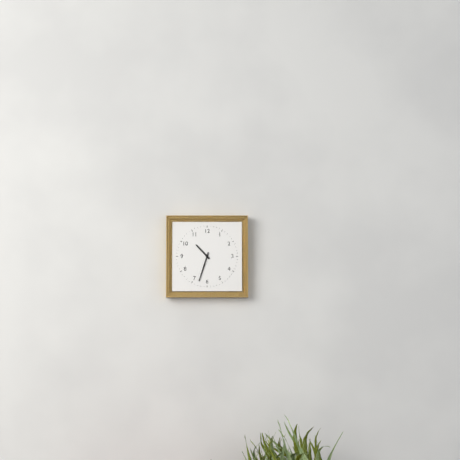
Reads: 10:33
